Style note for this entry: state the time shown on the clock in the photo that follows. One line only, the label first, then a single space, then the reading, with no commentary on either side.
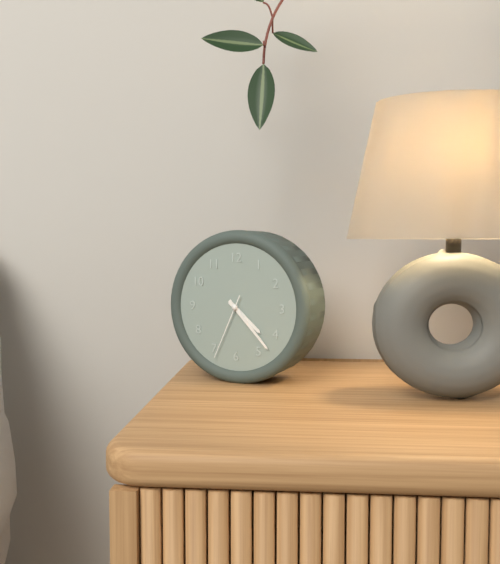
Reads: 4:23:34
